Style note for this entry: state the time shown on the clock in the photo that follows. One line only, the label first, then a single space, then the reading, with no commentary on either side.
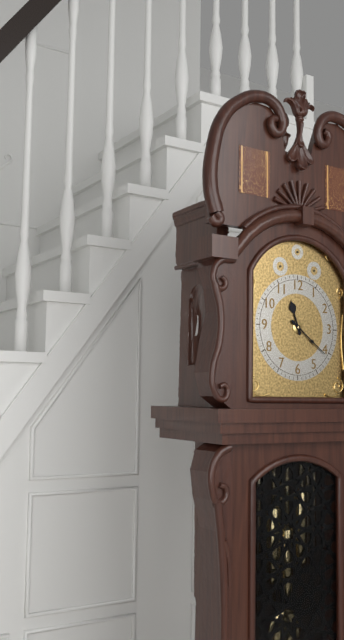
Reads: 11:21
